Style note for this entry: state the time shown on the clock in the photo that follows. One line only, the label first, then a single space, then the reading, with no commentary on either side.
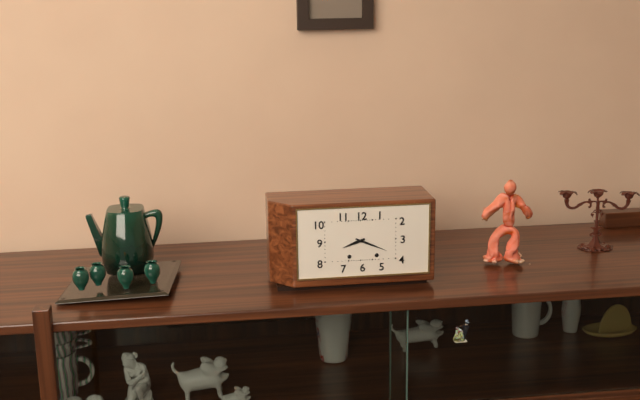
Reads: 8:19
